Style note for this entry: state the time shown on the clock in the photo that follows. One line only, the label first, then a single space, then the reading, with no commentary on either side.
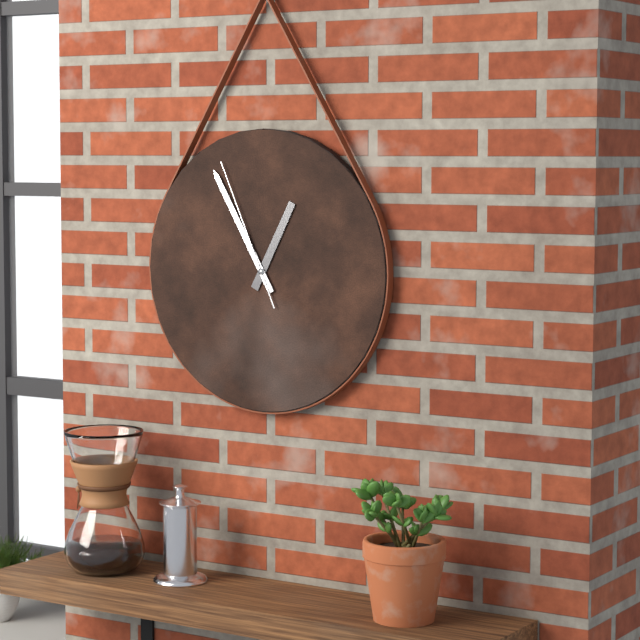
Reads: 12:55:56
